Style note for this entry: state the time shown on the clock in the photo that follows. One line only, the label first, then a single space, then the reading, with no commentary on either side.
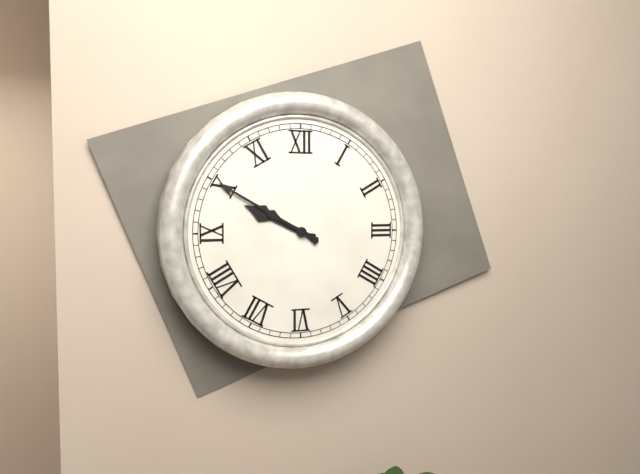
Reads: 9:50
